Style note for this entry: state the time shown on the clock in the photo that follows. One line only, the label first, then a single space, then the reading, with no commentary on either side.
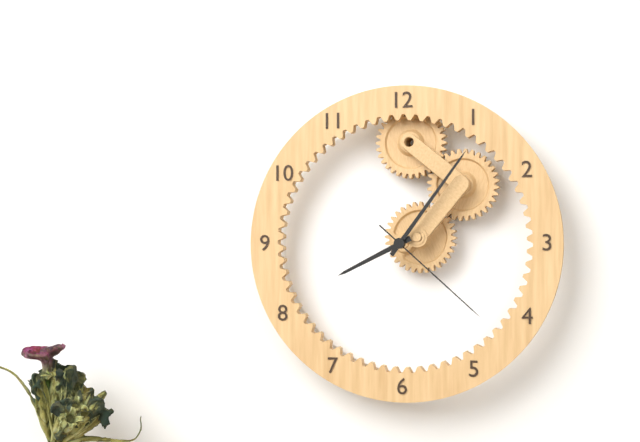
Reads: 8:06:22
